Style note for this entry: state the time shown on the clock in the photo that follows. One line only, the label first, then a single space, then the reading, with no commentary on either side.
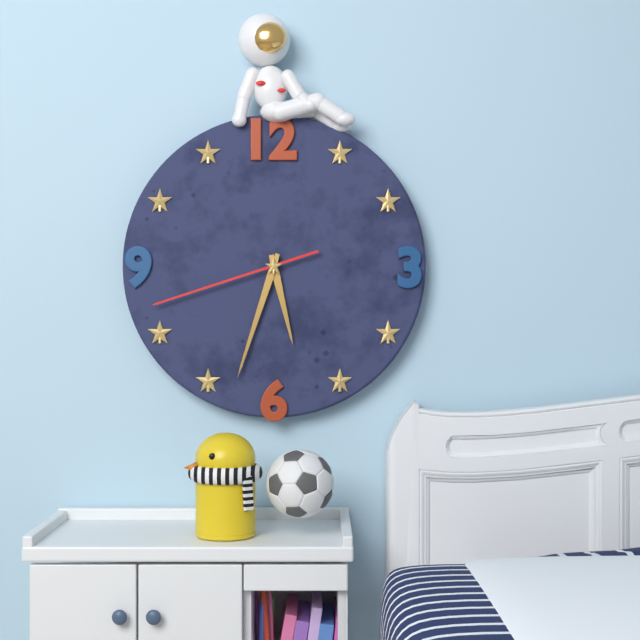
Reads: 5:33:42
